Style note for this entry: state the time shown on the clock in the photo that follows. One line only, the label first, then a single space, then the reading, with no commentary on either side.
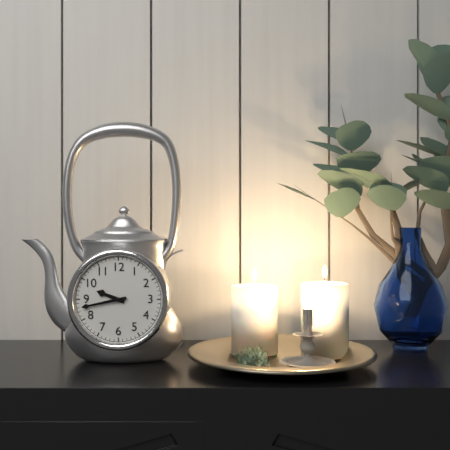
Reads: 9:43
